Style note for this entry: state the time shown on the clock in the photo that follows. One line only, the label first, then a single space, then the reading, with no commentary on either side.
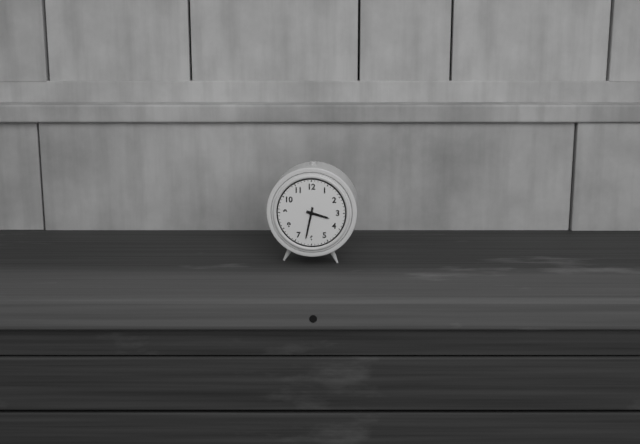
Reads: 3:32
